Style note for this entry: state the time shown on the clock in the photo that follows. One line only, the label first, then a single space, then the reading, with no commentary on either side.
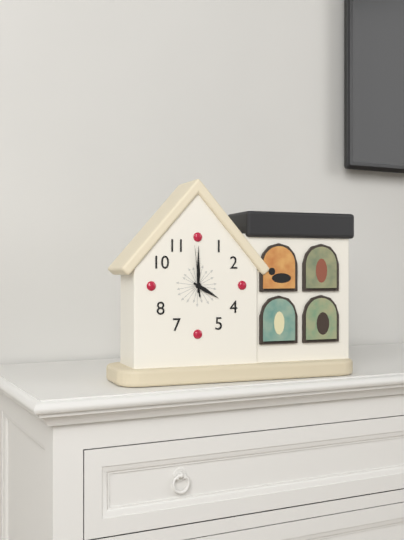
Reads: 4:00:59
